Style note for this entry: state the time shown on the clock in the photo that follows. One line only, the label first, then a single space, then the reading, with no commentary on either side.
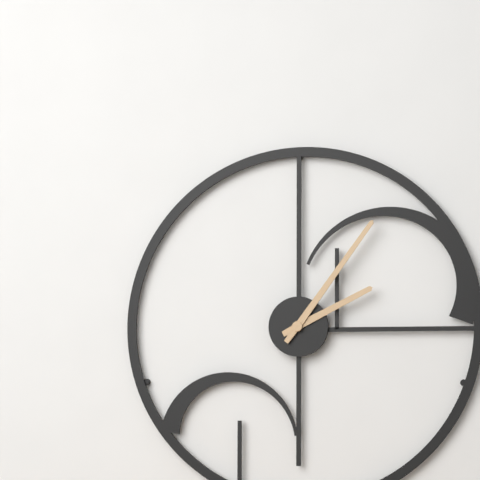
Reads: 2:06
